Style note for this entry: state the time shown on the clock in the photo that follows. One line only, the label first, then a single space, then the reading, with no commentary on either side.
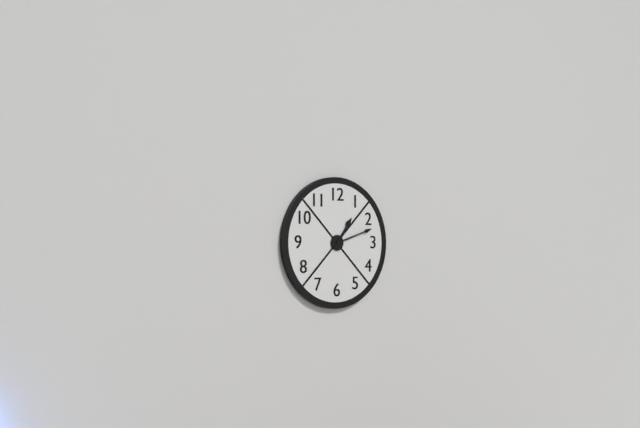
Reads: 1:12
